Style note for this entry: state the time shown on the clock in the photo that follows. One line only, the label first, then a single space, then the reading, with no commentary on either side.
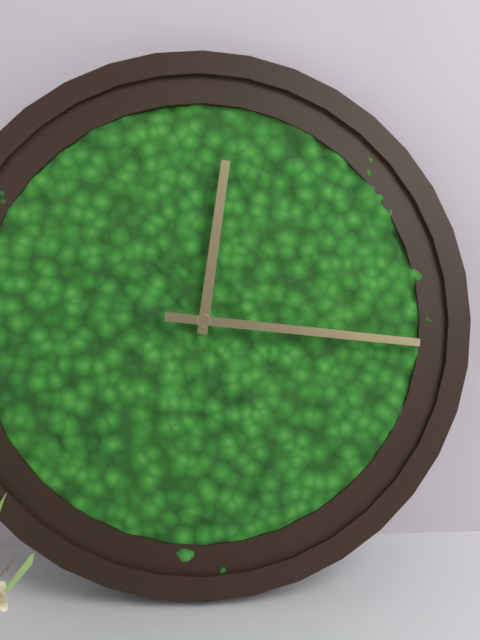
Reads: 12:16
